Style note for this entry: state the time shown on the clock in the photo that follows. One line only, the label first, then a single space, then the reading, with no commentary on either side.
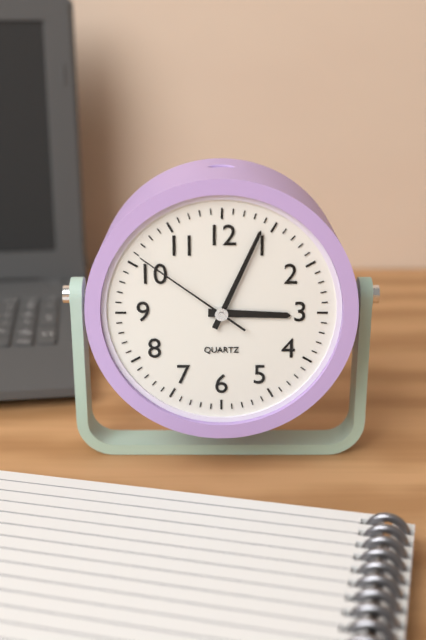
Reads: 3:04:51
